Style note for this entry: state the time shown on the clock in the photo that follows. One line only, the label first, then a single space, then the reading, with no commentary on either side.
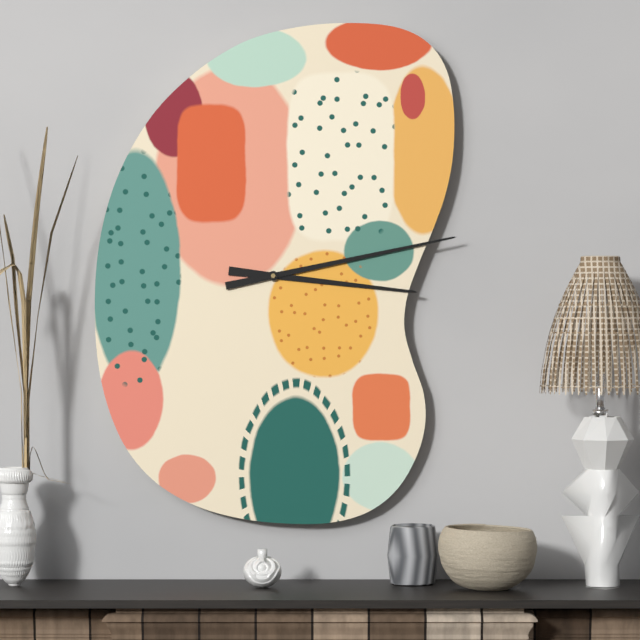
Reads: 3:13
